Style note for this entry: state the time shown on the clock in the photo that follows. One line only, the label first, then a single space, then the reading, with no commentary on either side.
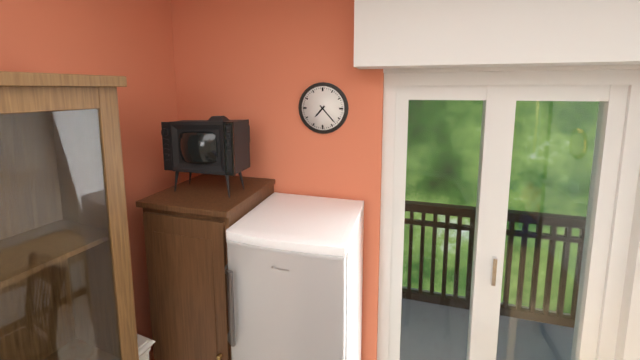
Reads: 7:23
